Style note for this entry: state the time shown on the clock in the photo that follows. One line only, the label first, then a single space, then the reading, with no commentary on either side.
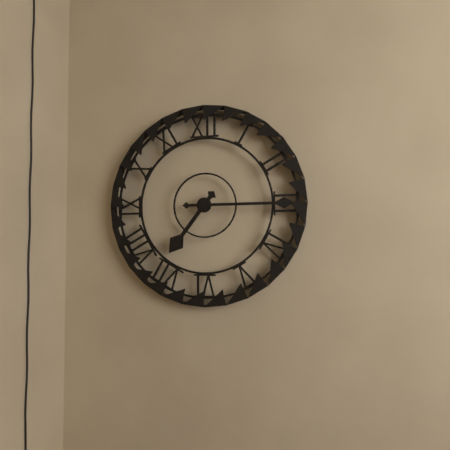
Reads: 7:15
